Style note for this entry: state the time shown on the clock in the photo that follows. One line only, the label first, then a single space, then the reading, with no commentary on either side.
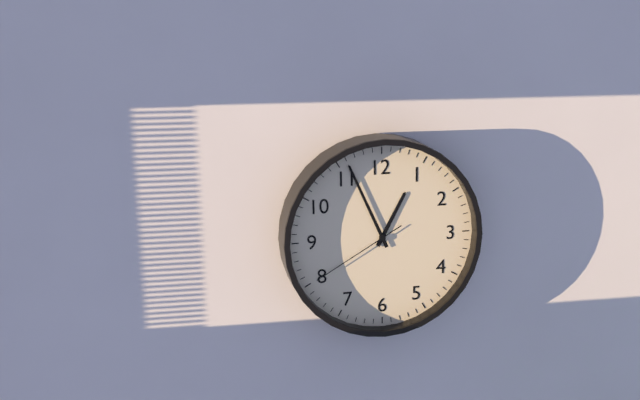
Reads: 12:56:40
